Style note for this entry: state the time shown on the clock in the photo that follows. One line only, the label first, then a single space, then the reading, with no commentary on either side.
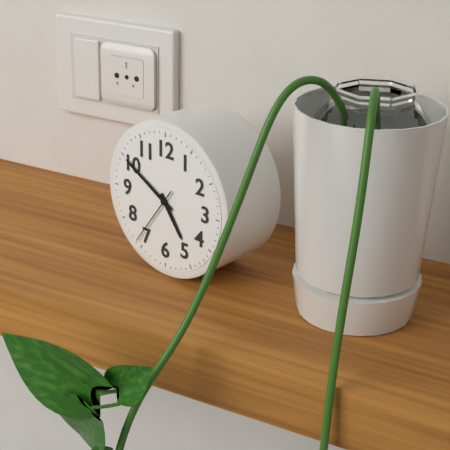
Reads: 4:50:36
